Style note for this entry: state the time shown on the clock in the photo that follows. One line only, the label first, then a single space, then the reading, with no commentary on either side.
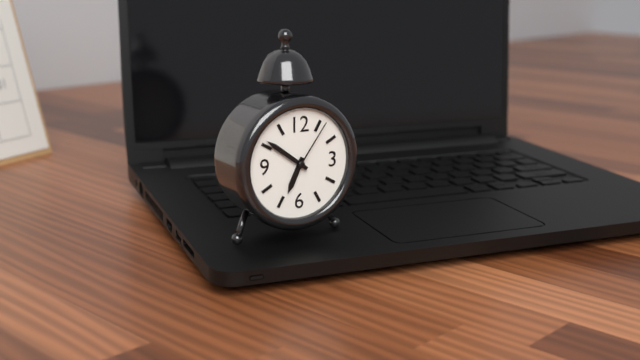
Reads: 6:51:06
